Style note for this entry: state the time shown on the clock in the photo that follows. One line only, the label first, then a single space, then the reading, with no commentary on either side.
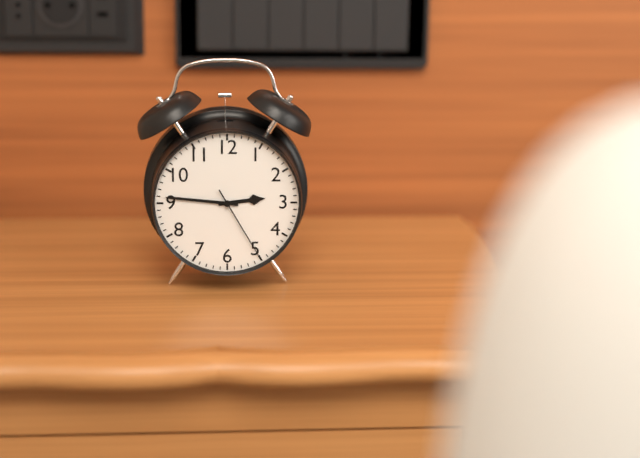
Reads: 2:46:25
